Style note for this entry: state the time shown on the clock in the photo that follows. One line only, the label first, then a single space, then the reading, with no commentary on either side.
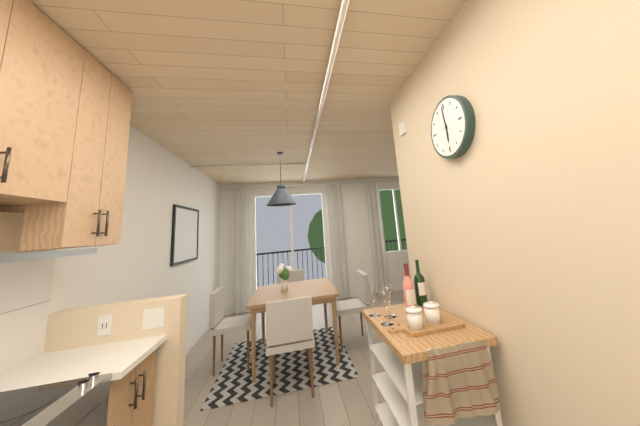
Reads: 5:59
